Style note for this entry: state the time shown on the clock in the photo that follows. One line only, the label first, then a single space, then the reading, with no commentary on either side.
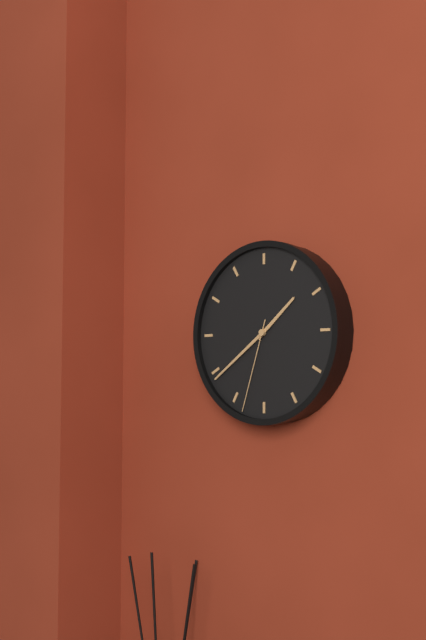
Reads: 1:39:33
